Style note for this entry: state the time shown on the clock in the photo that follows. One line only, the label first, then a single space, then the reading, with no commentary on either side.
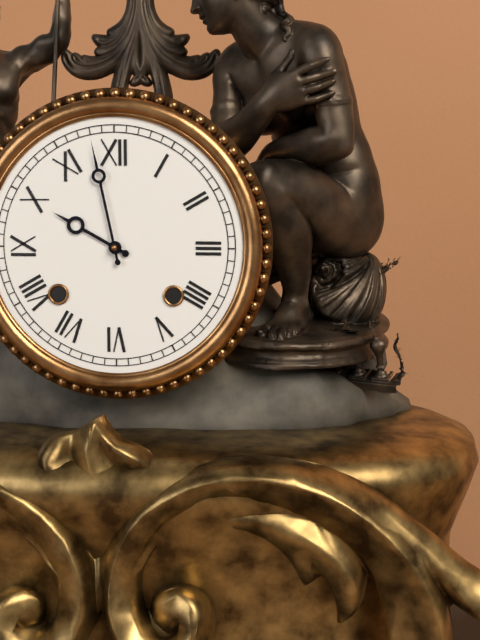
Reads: 9:58
